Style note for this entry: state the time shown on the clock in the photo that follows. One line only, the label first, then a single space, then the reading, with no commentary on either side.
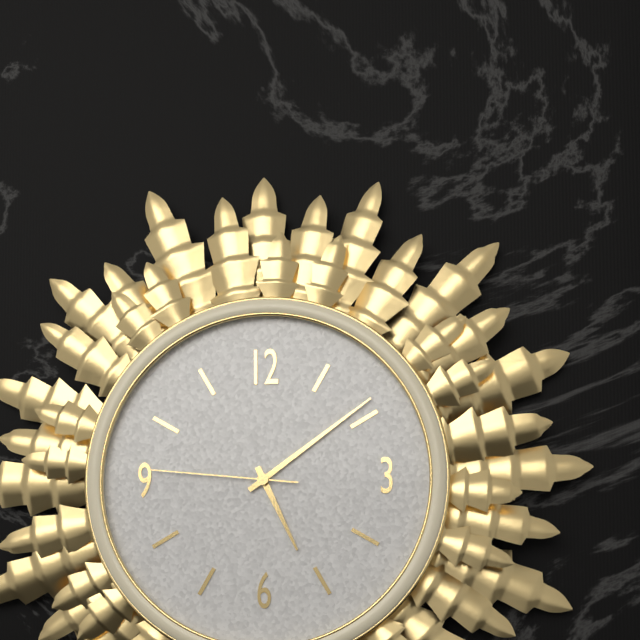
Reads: 5:09:46
